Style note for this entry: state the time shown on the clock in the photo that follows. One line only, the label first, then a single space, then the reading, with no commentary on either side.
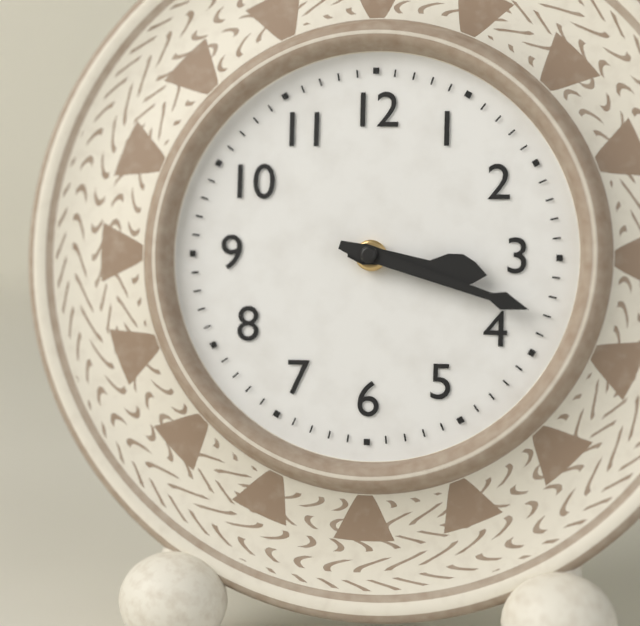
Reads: 3:18
